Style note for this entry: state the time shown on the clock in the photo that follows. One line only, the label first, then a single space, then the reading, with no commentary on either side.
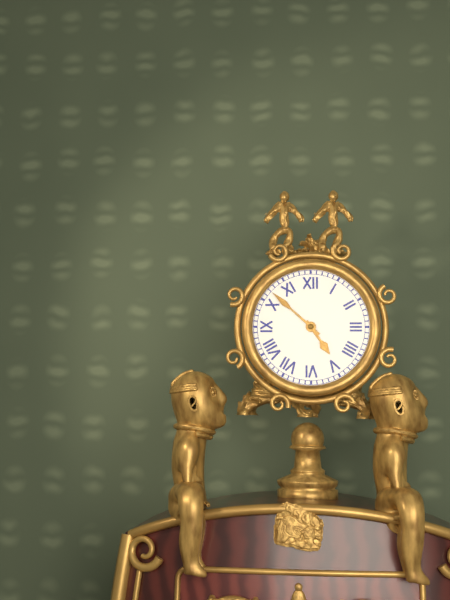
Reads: 4:52
